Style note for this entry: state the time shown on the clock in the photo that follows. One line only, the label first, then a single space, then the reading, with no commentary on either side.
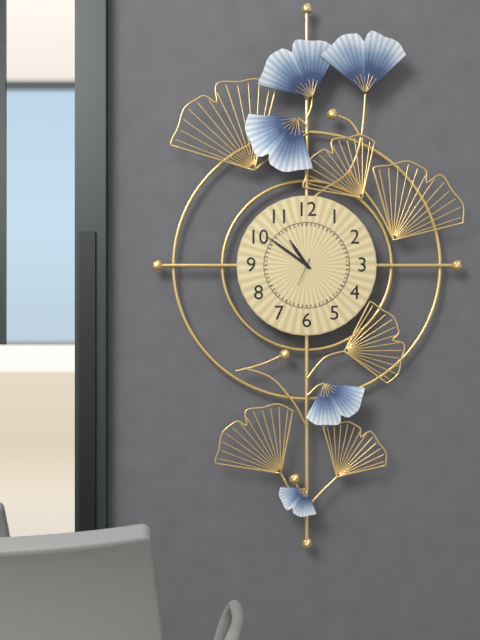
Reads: 10:51
